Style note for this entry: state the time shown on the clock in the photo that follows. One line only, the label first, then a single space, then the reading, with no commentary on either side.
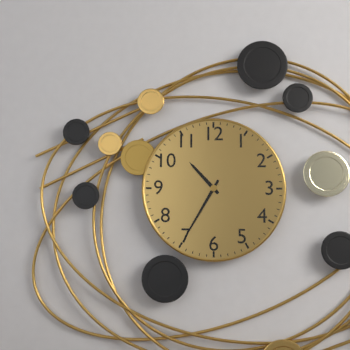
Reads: 10:35
